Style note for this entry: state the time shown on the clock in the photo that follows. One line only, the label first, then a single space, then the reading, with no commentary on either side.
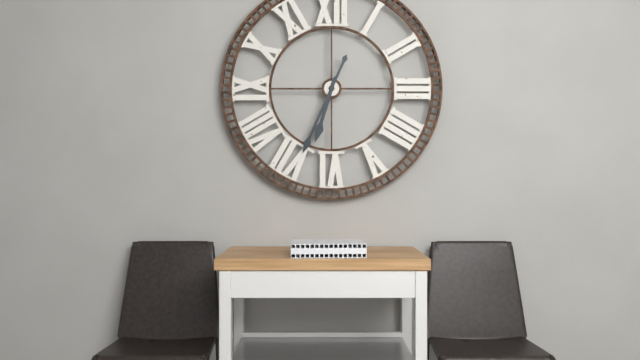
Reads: 6:34
